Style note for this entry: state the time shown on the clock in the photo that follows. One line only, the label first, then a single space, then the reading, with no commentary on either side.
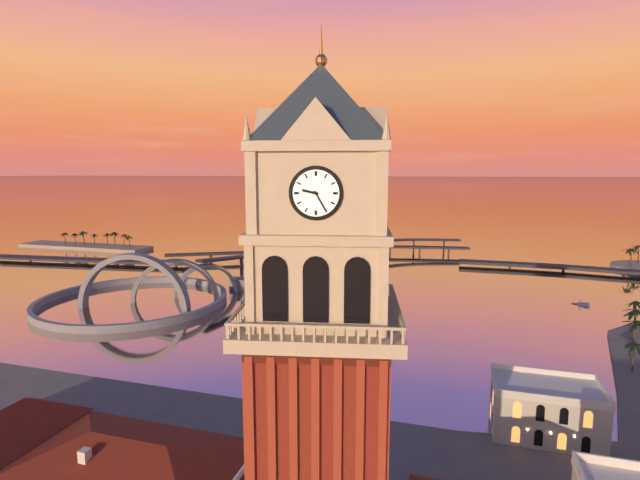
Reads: 9:25
